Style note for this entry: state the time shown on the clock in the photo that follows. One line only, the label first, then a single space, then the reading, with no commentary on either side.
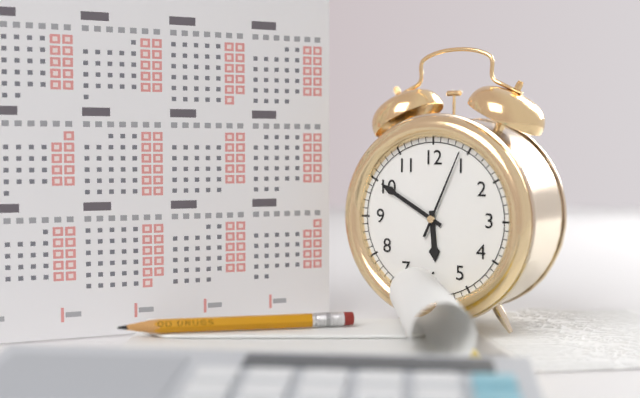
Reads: 5:50:04
